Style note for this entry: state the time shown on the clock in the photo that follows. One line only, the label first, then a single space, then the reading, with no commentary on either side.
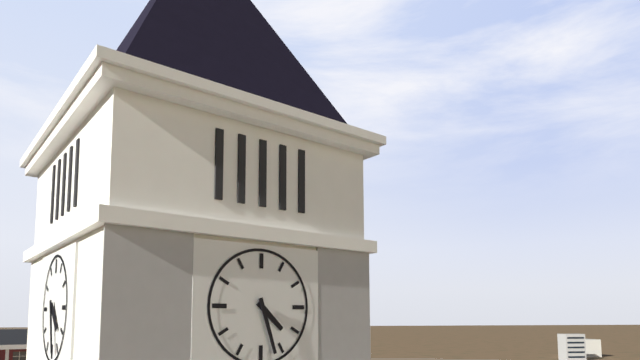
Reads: 4:27
